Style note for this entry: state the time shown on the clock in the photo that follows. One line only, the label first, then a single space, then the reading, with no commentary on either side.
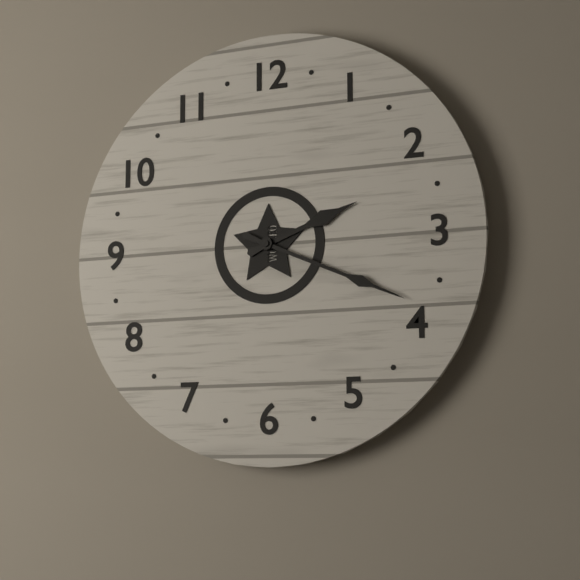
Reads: 2:19
